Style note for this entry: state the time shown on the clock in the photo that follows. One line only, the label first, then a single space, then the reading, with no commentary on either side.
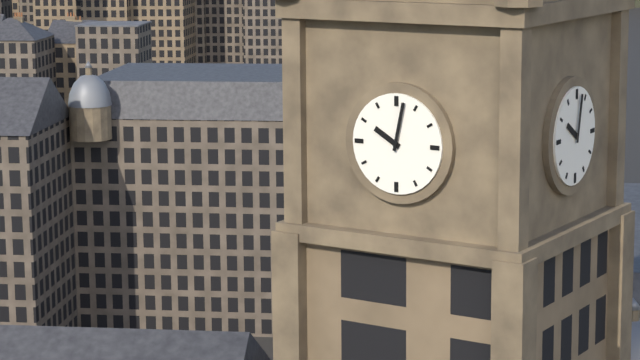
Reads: 10:02
